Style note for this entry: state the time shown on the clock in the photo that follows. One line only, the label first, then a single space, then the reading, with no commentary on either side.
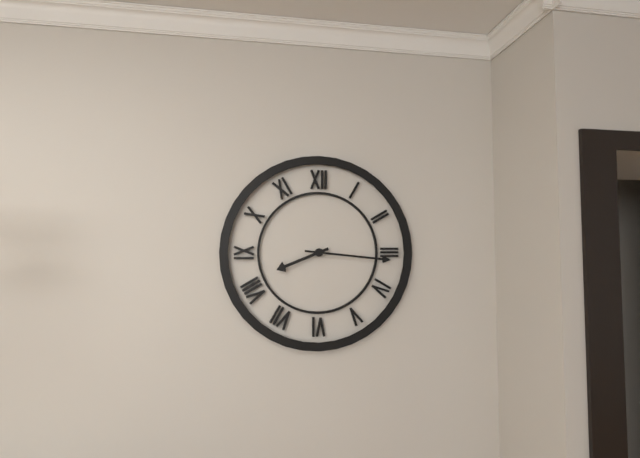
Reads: 8:16
